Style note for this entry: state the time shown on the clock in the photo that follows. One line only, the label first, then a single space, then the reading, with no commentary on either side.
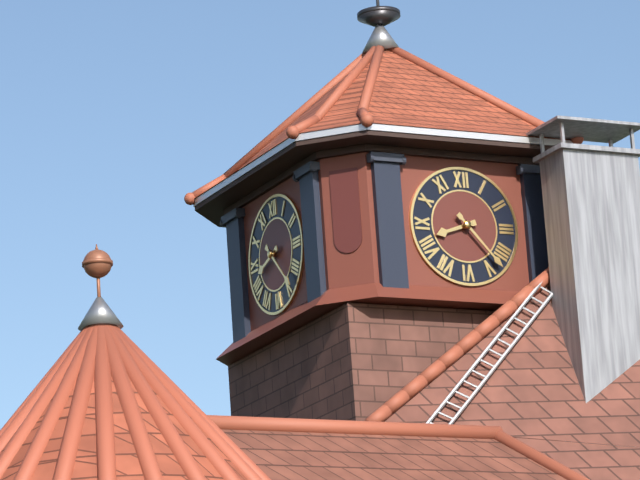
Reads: 8:23
